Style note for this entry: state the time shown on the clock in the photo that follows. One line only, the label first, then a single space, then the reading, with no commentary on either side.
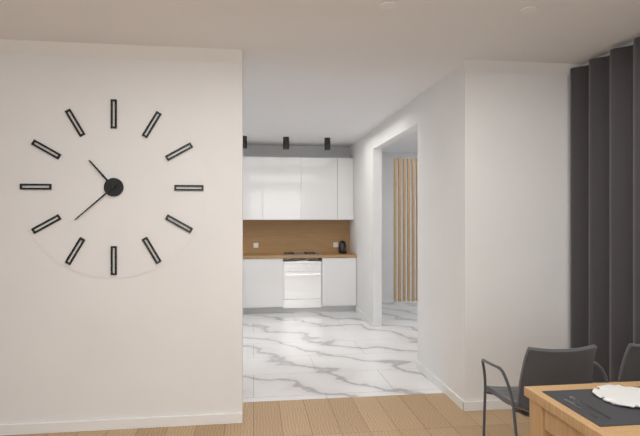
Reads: 10:38
